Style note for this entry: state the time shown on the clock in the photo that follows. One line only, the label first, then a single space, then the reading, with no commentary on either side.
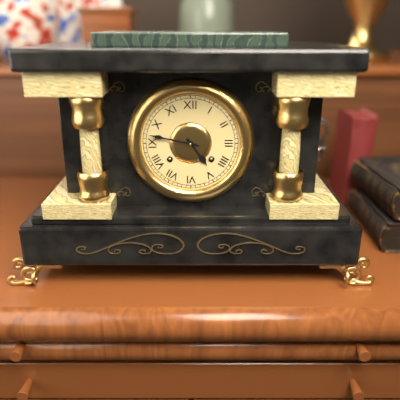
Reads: 4:47
